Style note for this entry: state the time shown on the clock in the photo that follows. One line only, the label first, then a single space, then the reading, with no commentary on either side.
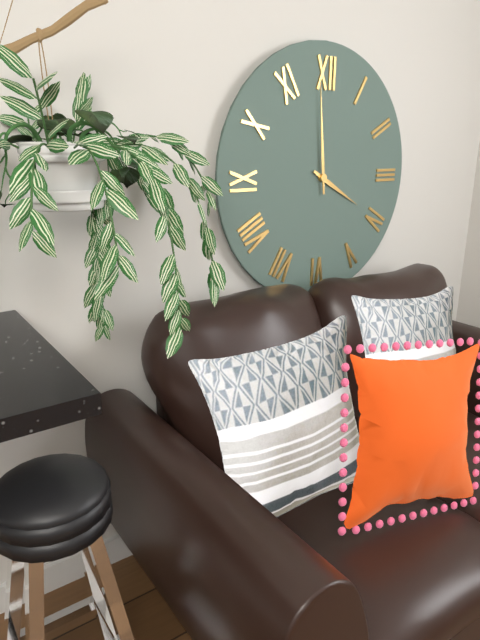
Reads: 3:59
